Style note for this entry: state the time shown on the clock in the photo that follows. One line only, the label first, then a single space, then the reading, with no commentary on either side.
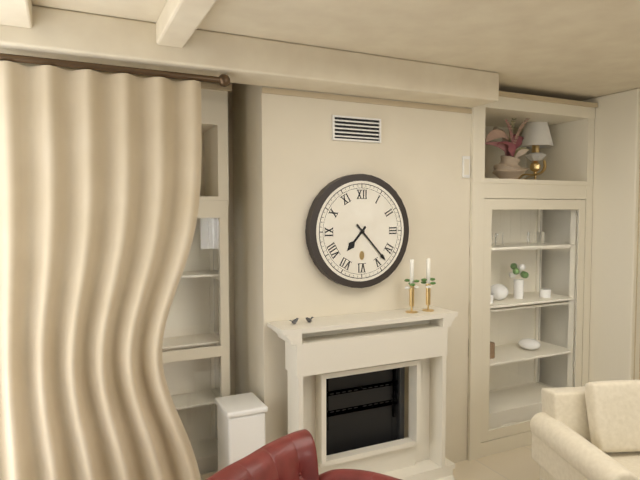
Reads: 7:23
